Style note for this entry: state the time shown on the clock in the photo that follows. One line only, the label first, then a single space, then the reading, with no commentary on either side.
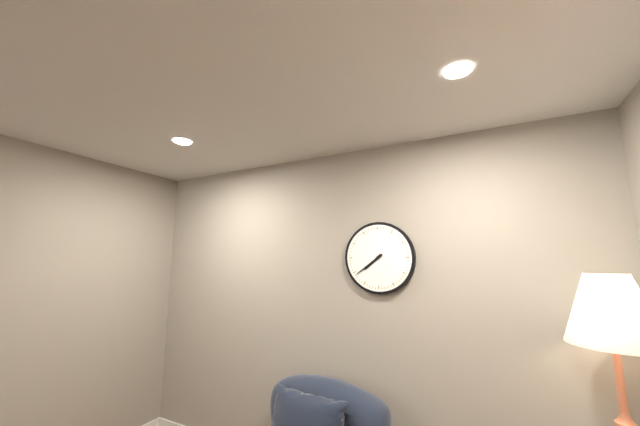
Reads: 7:39
